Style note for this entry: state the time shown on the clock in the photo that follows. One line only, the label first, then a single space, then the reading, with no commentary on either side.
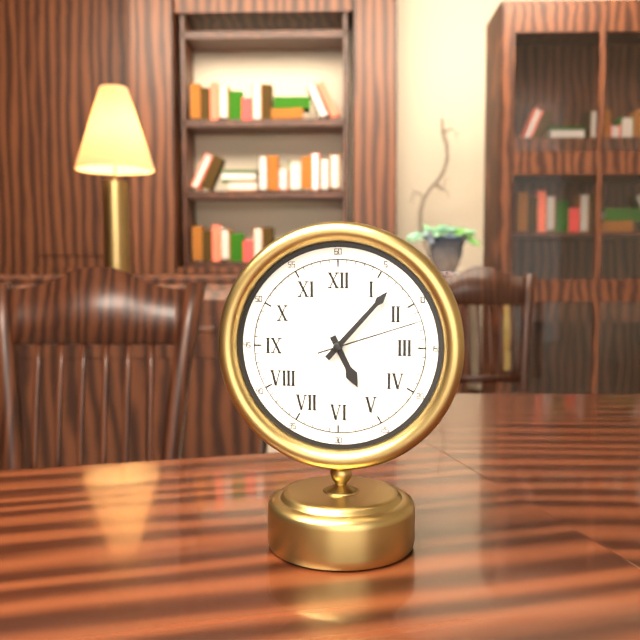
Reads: 5:07:12
